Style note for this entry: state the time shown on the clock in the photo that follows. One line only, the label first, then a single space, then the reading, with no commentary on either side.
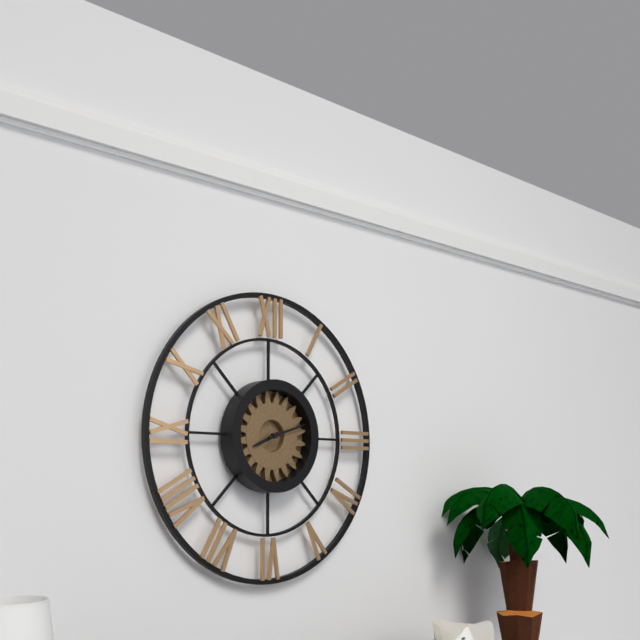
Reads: 8:12
